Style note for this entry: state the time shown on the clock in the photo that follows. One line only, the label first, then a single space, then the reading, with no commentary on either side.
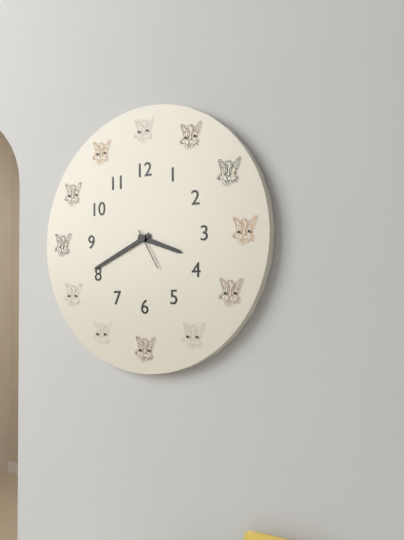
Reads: 3:41
